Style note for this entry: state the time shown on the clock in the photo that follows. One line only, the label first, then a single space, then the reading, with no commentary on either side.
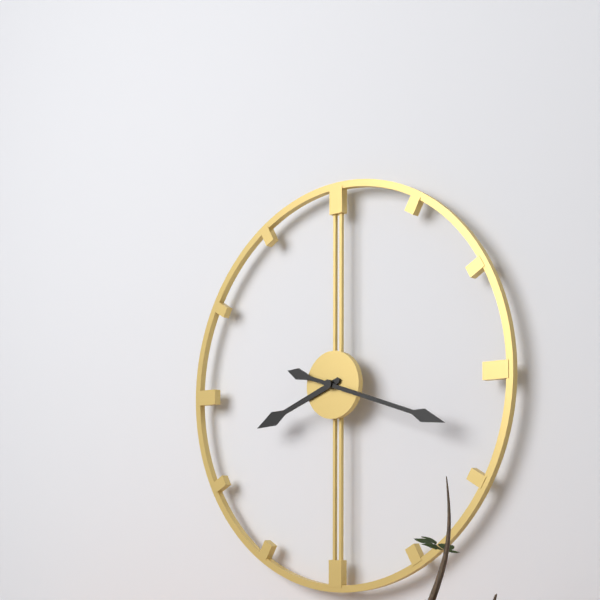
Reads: 8:18
